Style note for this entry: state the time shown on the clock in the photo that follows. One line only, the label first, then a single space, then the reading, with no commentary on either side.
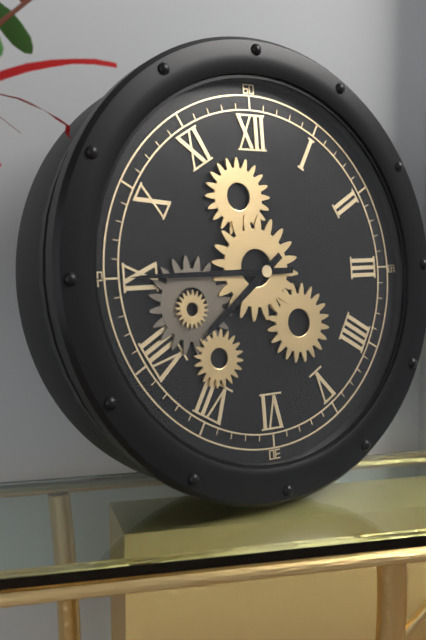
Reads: 7:45
